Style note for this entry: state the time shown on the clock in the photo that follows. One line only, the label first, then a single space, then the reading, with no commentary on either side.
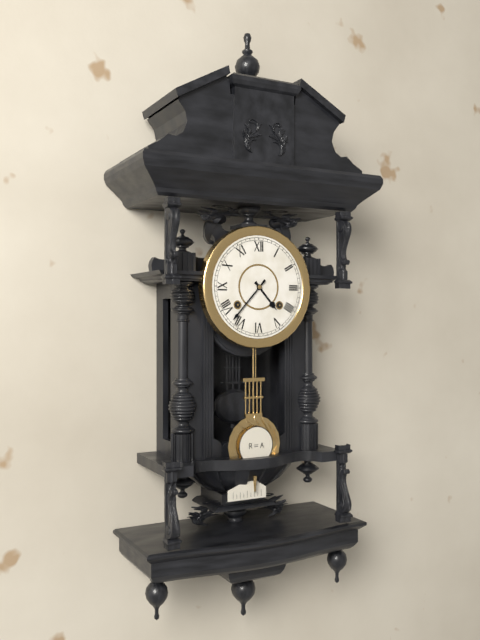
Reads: 4:37
